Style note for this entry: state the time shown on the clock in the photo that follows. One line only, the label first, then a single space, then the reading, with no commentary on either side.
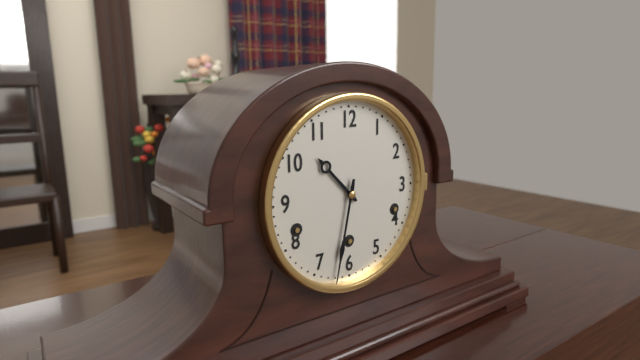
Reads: 10:32
